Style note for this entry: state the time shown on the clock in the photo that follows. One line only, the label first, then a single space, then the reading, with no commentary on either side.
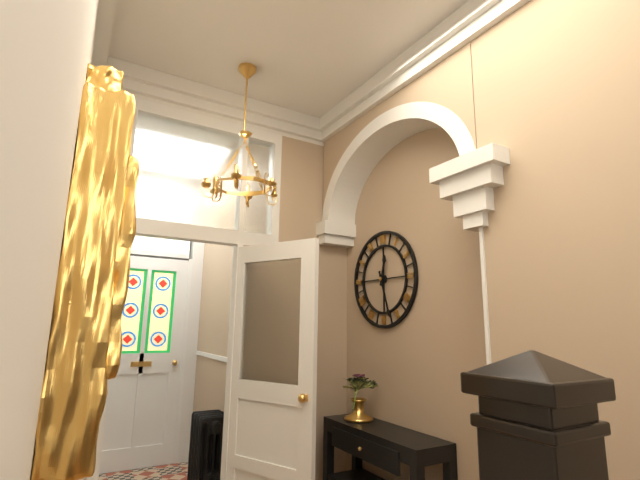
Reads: 12:27
